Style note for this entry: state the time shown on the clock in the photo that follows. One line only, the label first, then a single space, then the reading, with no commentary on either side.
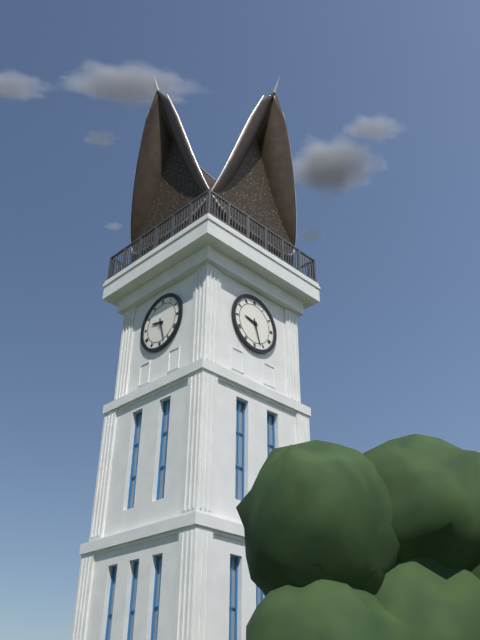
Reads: 9:27
